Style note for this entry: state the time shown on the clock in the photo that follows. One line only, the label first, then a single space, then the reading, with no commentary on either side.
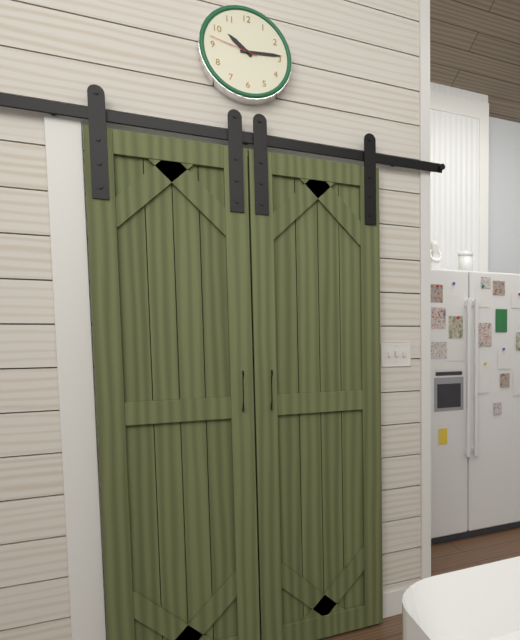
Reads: 10:14:47
